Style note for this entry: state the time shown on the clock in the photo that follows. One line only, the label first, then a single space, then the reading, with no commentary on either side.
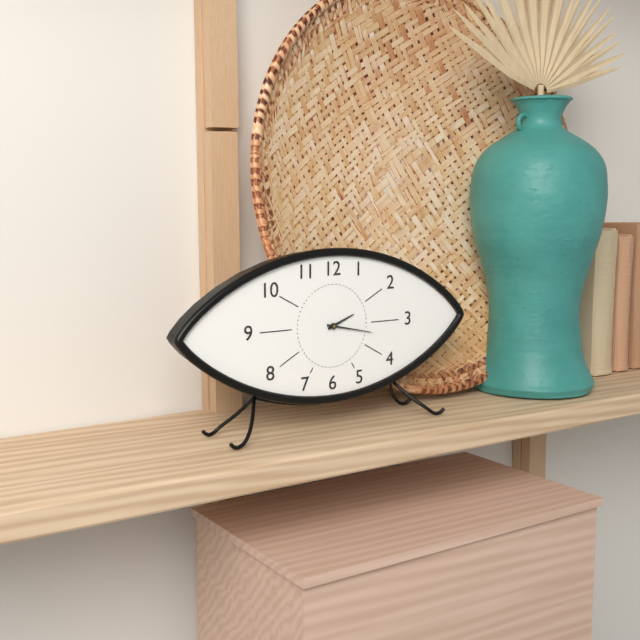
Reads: 2:17
